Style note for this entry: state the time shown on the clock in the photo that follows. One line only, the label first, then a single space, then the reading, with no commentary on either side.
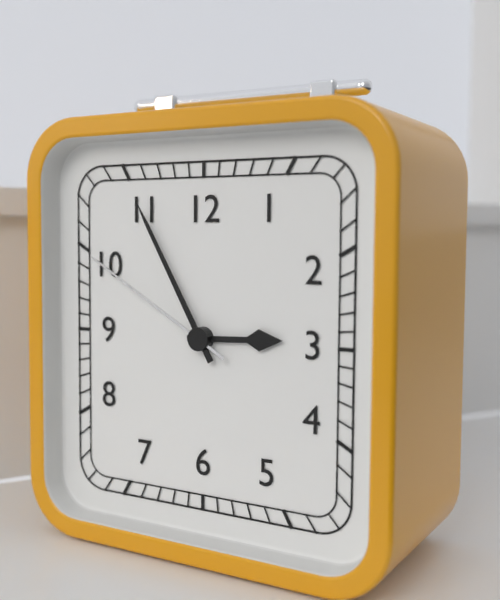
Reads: 2:55:50
